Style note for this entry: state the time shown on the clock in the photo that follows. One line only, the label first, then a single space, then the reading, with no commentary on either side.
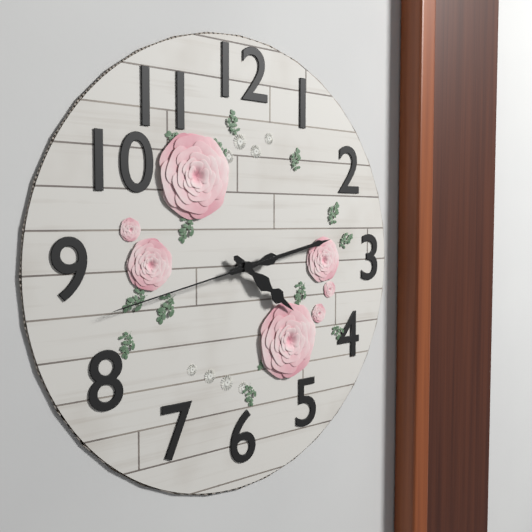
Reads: 4:13:43
